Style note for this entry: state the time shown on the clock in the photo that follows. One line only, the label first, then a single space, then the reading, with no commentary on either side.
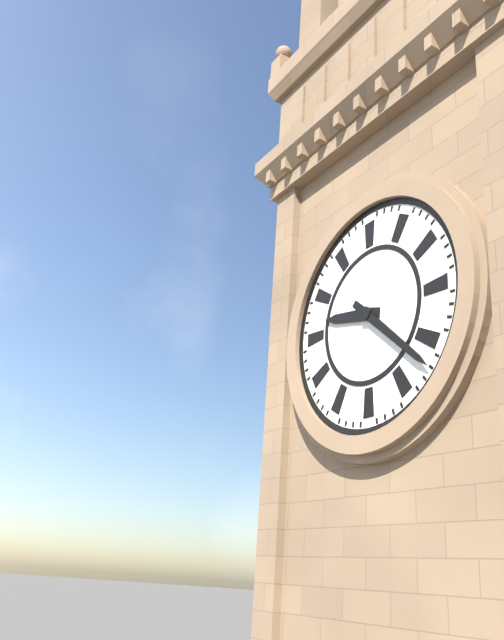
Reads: 9:22
